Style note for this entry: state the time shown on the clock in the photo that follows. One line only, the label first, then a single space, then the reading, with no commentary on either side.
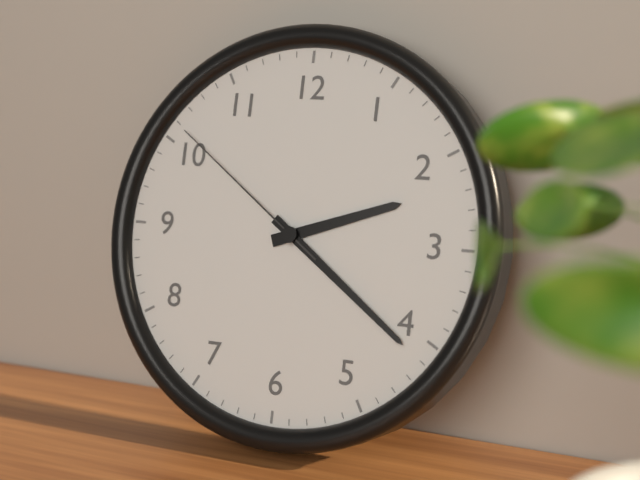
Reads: 2:21:51
